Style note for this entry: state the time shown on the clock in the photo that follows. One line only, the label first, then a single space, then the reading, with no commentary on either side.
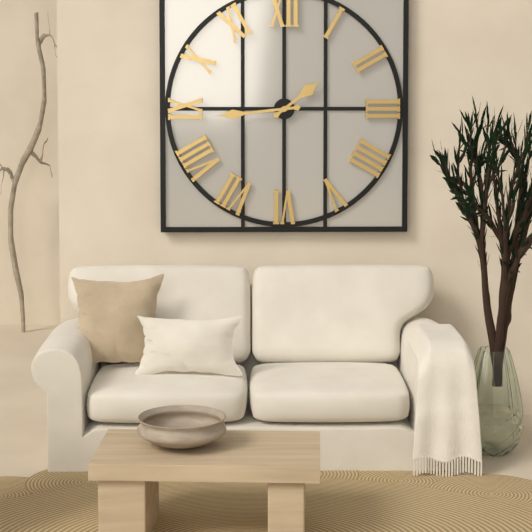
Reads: 1:44
